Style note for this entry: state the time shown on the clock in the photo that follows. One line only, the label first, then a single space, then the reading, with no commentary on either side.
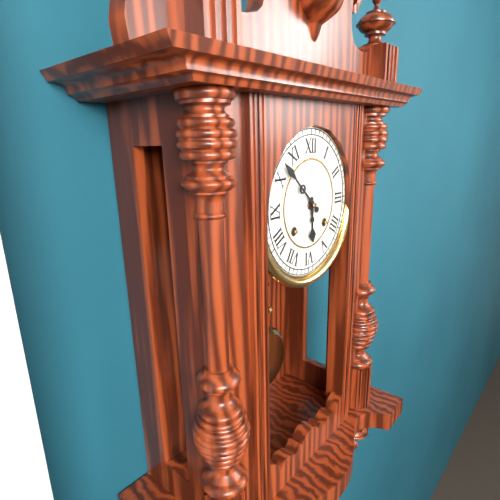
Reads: 5:52
